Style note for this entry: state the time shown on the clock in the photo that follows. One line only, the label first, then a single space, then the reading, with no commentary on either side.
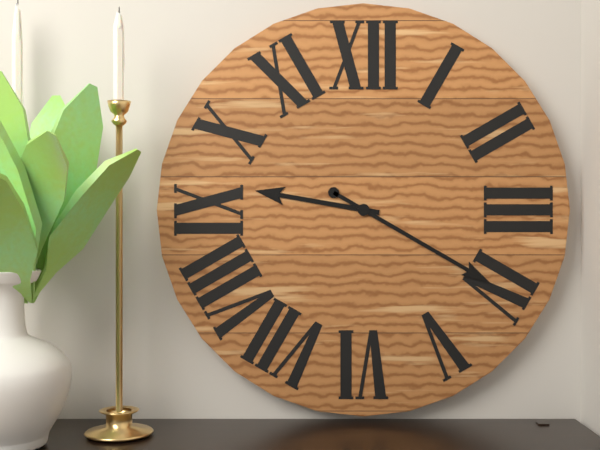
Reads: 9:20
